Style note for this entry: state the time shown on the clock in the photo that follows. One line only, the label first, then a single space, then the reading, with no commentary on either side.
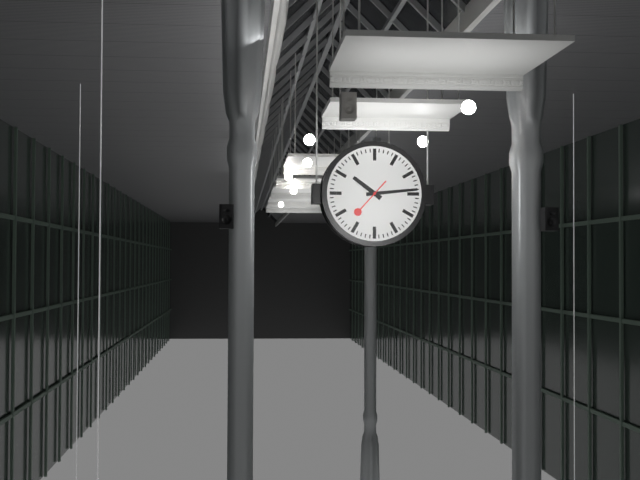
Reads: 10:14
